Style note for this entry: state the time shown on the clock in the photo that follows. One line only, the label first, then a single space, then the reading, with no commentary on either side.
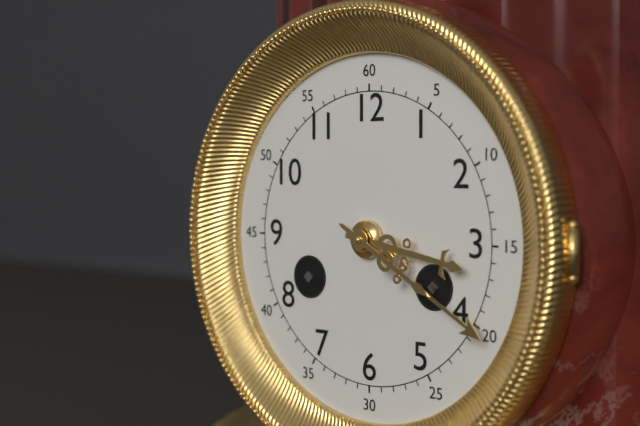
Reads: 3:20
